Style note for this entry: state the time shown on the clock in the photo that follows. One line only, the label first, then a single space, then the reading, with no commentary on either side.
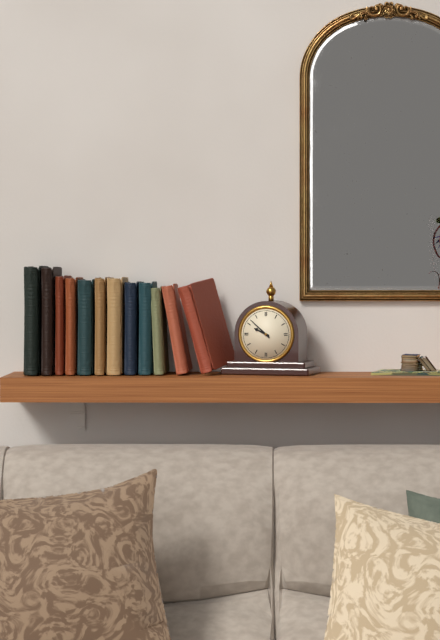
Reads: 9:52
